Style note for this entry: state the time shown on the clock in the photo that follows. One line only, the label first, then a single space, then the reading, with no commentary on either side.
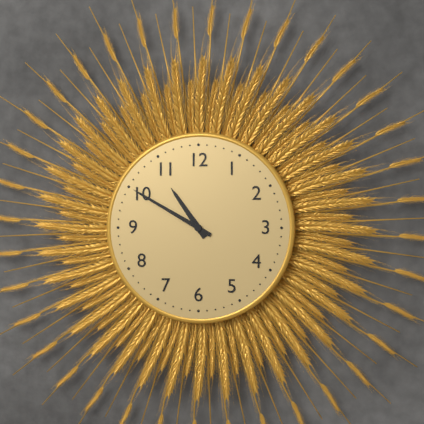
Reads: 10:50
